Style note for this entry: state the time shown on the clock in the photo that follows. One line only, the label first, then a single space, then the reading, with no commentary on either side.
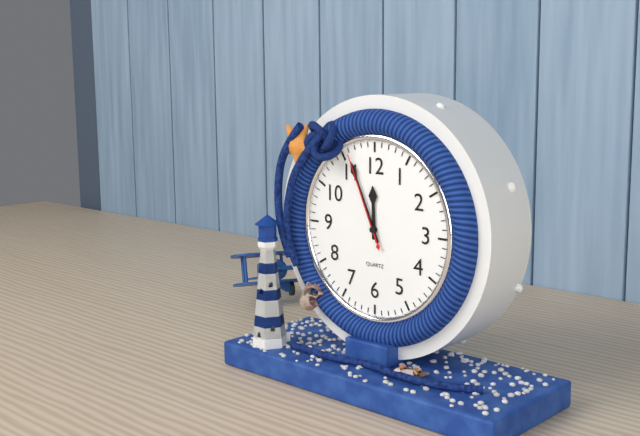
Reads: 11:56:56
